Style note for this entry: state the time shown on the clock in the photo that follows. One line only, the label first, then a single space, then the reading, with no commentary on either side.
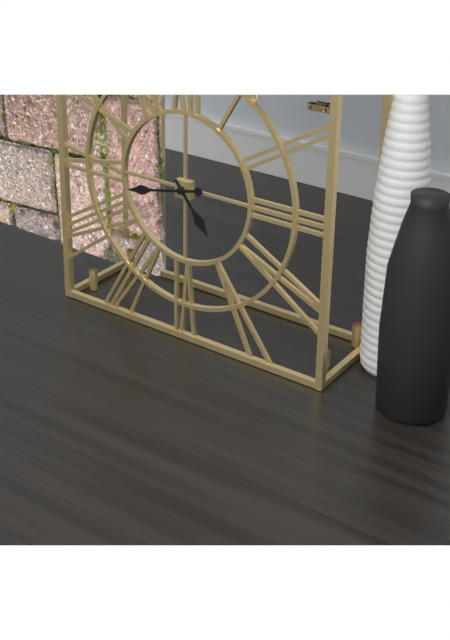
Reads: 4:43
